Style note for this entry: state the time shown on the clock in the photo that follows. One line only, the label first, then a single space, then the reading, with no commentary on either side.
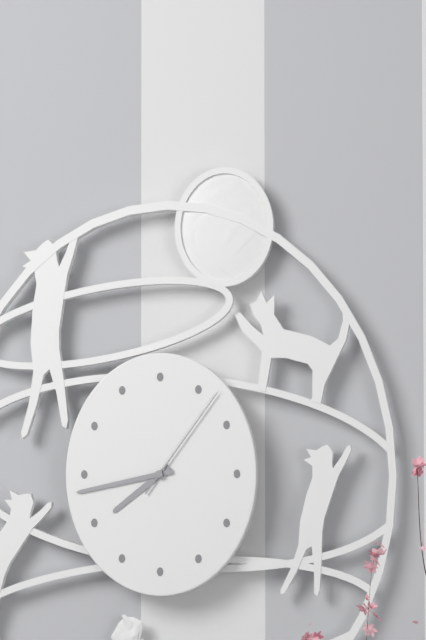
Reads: 7:43:06
